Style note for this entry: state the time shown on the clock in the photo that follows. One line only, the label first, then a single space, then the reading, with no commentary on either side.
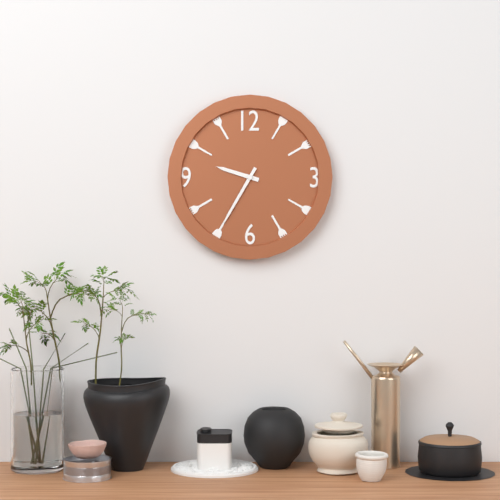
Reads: 9:35
